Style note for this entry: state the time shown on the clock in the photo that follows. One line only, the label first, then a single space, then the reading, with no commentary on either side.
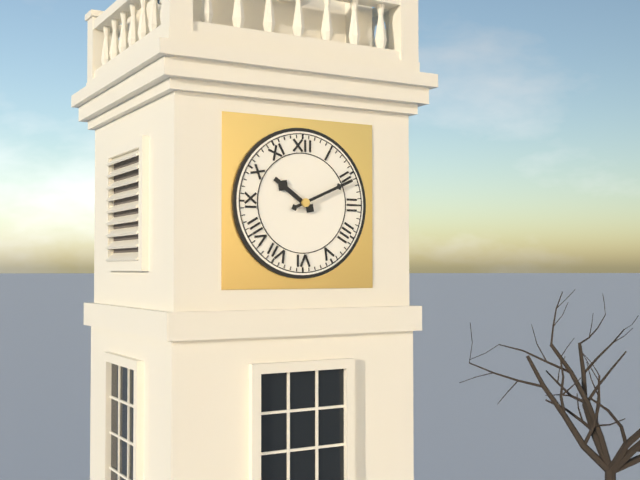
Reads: 10:11
